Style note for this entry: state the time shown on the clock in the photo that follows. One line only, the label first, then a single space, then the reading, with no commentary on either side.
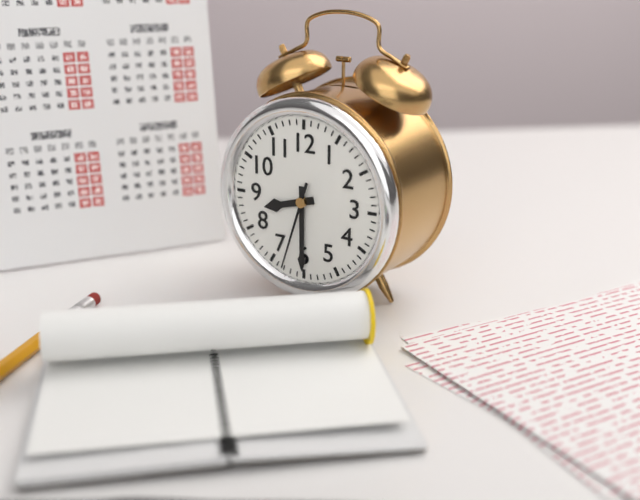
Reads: 8:30:33
